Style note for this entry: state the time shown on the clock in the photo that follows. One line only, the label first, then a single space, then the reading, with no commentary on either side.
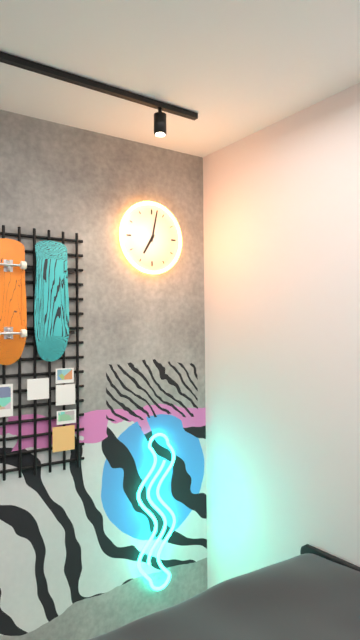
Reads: 7:02
